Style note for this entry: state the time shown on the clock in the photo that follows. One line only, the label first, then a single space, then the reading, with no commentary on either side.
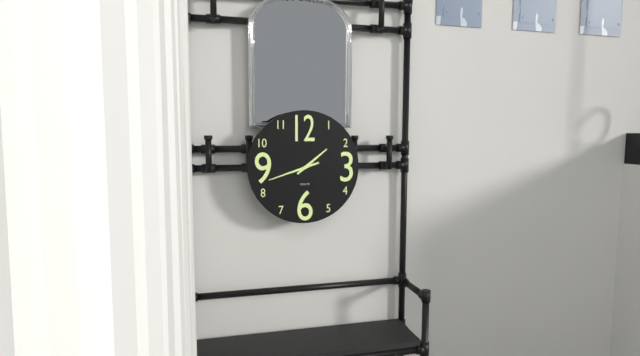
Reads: 1:42
